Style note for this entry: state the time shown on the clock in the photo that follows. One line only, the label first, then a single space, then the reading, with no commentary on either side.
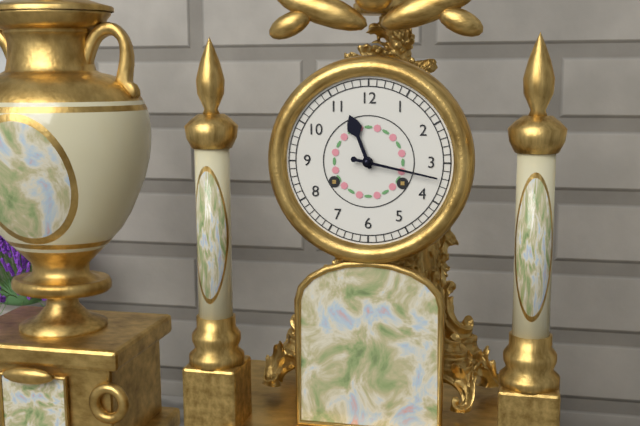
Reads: 11:17
